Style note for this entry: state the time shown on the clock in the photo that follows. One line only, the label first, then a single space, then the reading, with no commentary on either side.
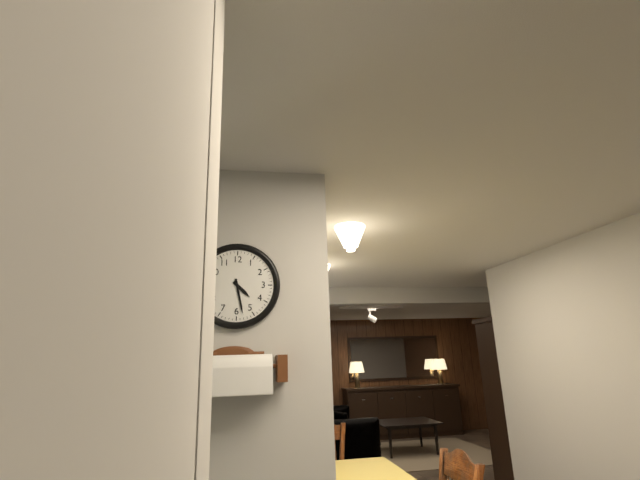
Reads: 4:28
